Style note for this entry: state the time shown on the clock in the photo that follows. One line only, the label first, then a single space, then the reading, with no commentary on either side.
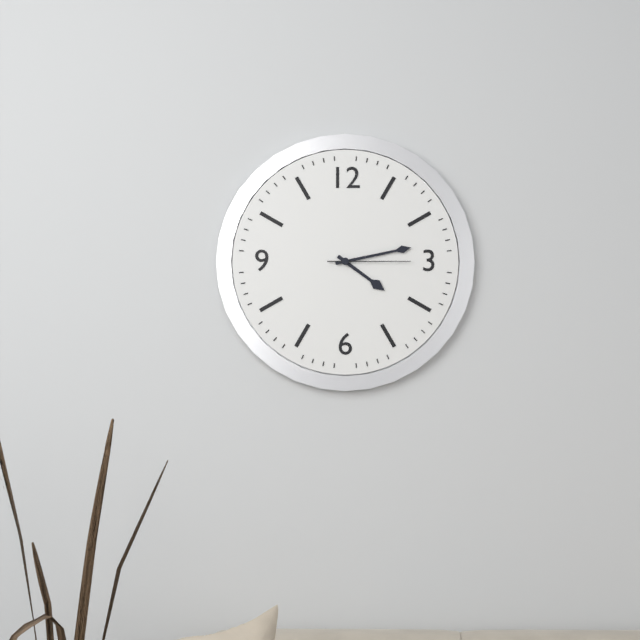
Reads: 4:13:15
